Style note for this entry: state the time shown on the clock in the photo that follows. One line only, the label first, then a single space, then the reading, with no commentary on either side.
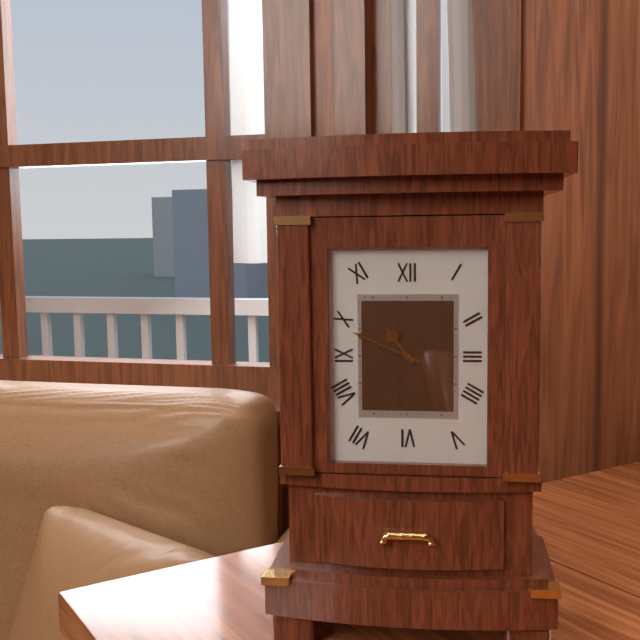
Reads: 10:49
